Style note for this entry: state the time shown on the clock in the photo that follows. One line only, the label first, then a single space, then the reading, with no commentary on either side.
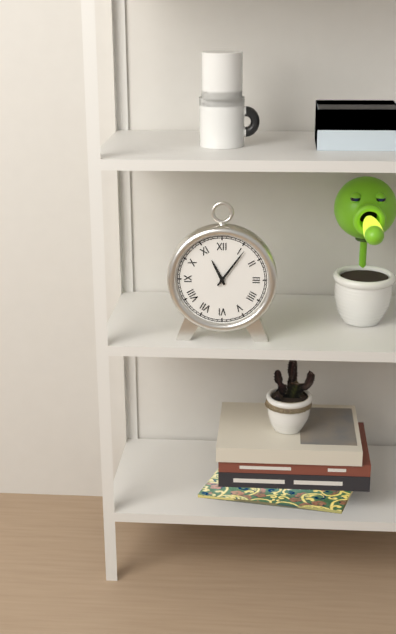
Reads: 11:06
